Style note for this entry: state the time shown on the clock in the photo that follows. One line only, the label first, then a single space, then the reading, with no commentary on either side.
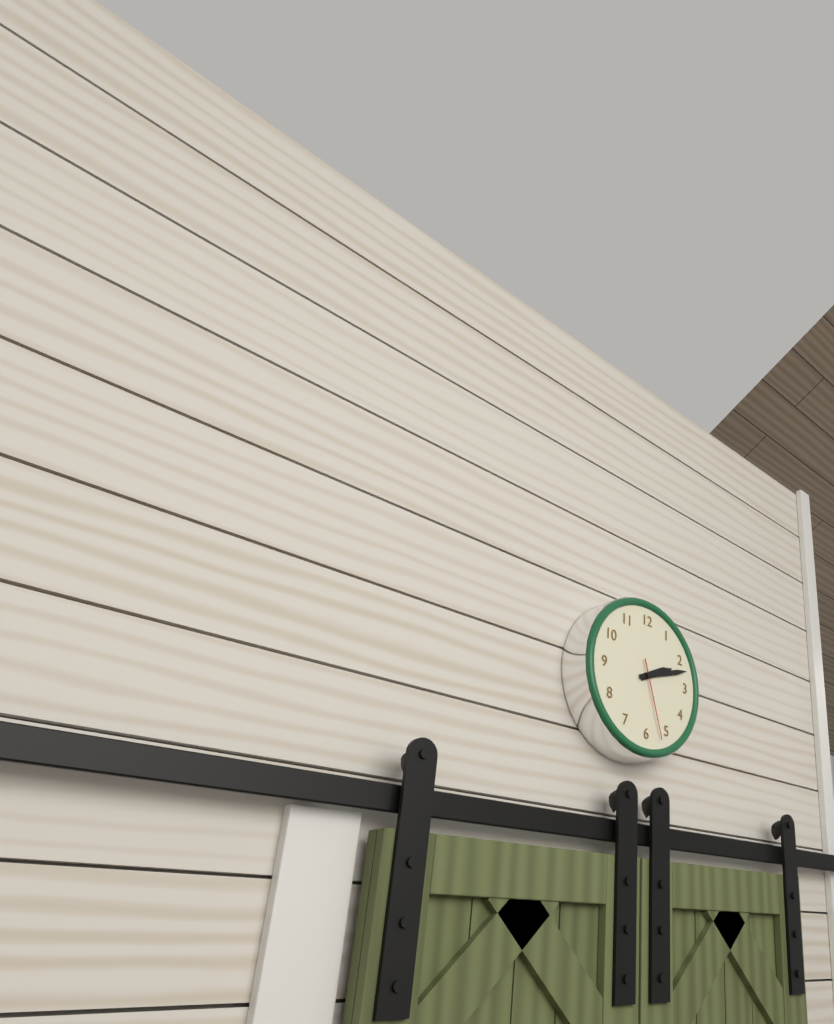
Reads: 2:12:27
